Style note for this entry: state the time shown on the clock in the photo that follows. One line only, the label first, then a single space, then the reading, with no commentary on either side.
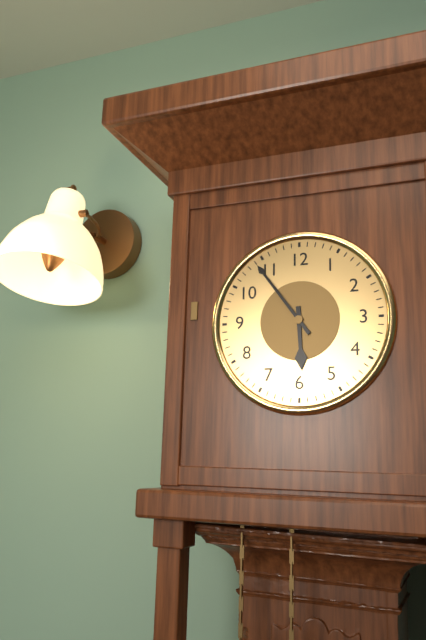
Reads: 5:54
